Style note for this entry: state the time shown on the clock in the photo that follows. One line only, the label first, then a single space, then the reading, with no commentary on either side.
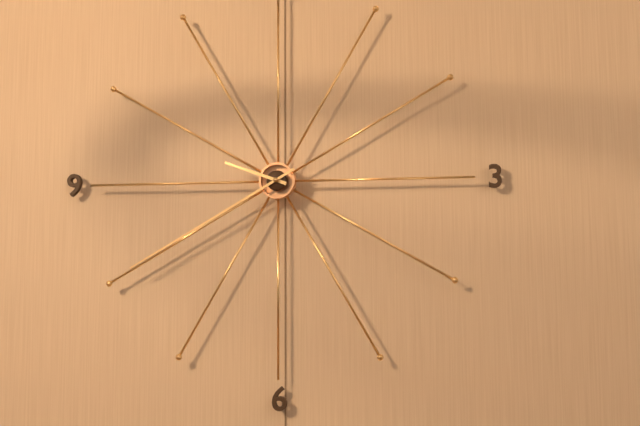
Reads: 9:40
